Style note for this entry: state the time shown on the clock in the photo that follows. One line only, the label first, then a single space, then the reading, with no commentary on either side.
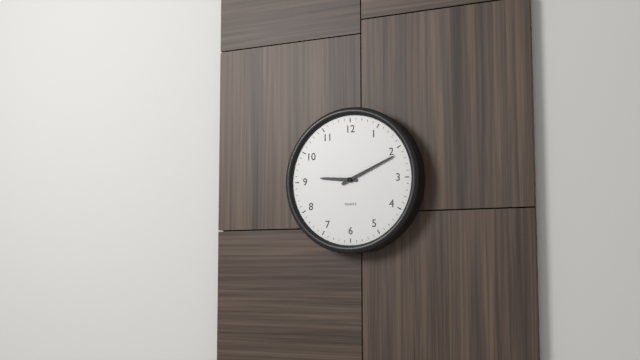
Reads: 9:11
